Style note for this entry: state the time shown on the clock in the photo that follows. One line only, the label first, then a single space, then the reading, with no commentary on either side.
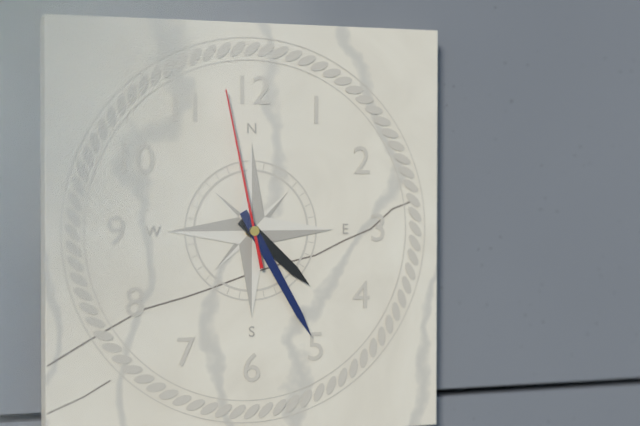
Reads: 4:25:58
